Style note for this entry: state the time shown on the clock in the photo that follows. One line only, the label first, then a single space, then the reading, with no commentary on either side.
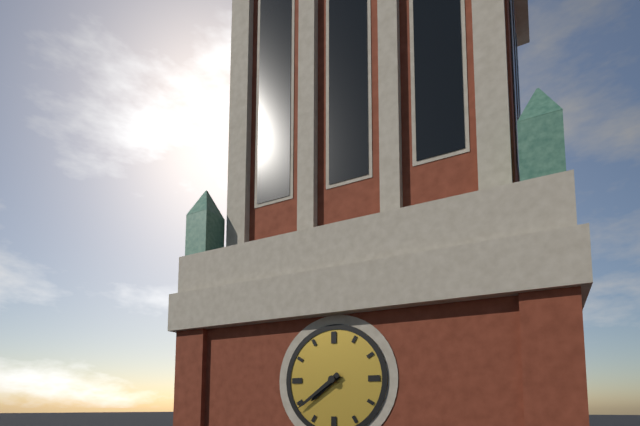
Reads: 7:39
